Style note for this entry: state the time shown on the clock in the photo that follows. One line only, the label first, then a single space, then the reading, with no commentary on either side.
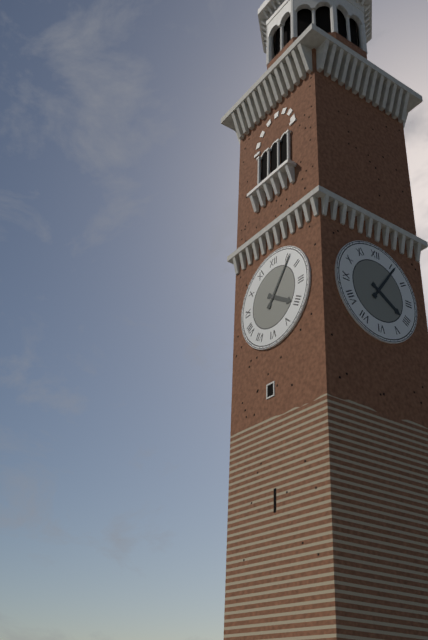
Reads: 4:06
